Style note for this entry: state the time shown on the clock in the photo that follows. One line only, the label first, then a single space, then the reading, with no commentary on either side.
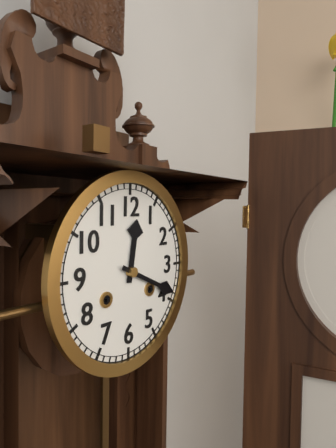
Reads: 12:19
